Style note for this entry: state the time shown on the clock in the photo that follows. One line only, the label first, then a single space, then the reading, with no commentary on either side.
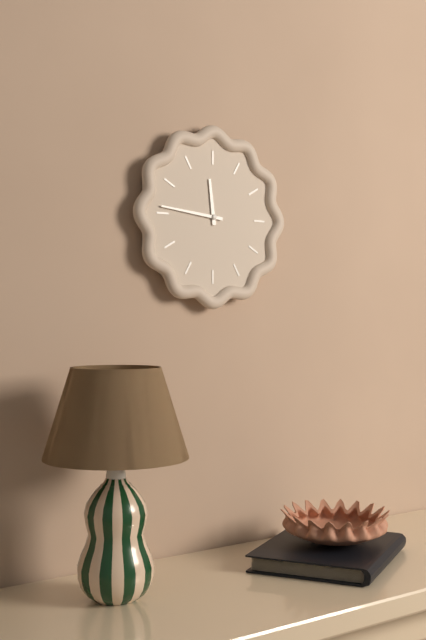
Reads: 11:46
